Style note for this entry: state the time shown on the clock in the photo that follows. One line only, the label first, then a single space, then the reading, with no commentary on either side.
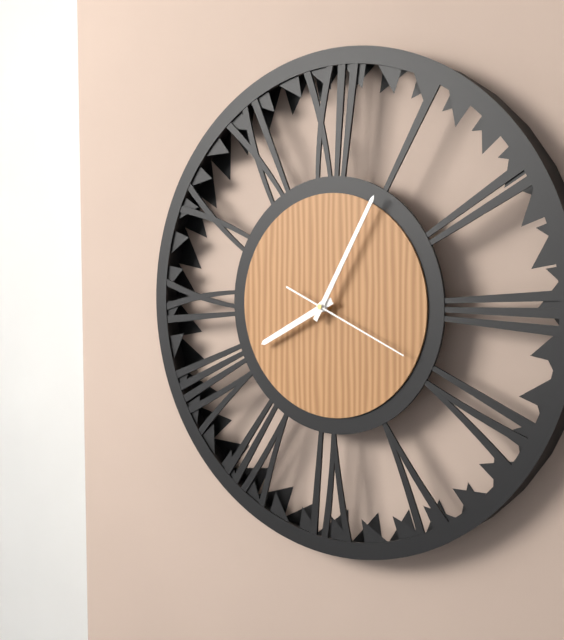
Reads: 8:05:19
